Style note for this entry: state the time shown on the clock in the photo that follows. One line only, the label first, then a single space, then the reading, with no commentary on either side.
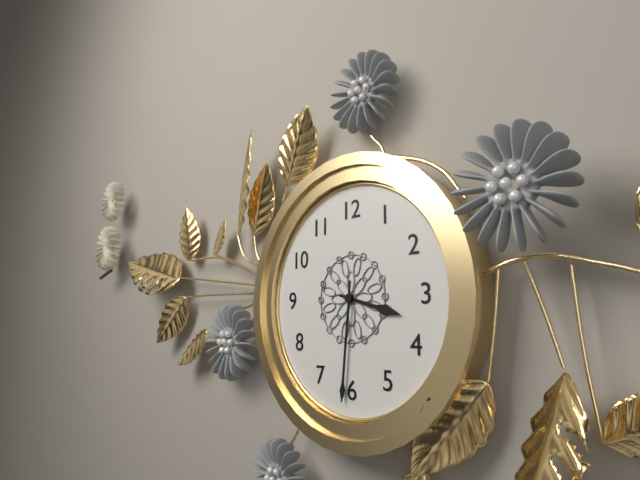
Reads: 3:31
